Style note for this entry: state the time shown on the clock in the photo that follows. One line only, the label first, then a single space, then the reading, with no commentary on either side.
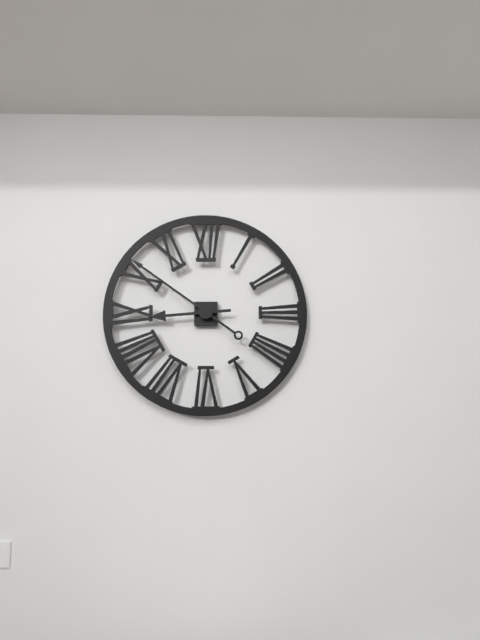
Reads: 8:51
